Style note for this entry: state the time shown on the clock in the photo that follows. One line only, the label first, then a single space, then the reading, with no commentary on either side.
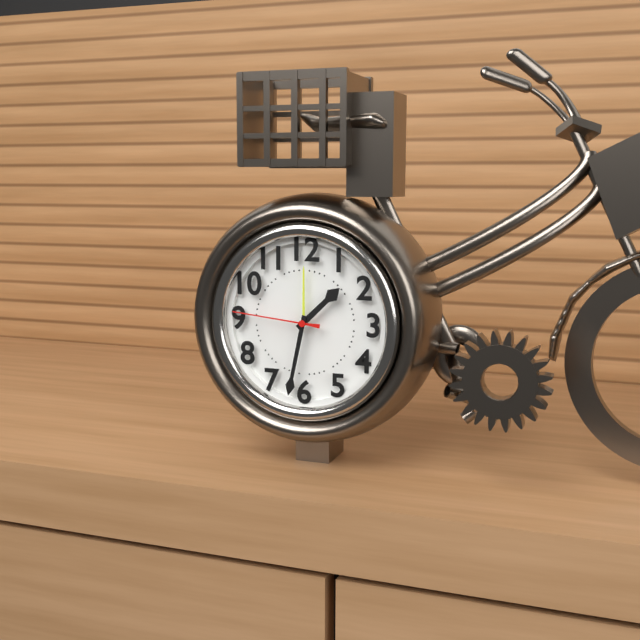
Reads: 1:32:46
